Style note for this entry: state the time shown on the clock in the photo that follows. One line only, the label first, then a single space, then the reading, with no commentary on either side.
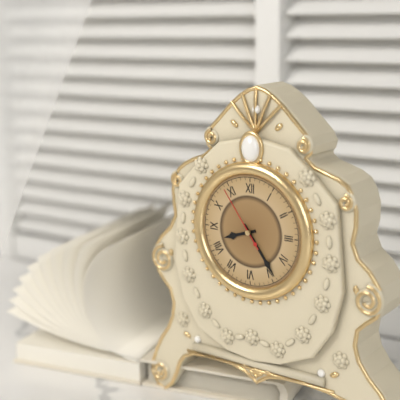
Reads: 8:24:54
